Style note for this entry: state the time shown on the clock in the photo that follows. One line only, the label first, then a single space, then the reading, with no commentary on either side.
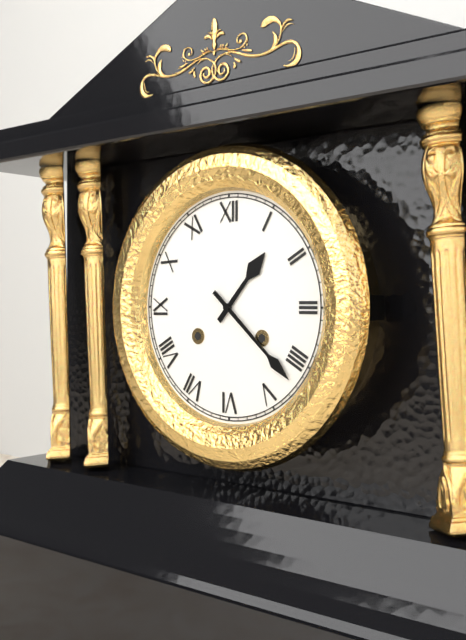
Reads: 1:22
